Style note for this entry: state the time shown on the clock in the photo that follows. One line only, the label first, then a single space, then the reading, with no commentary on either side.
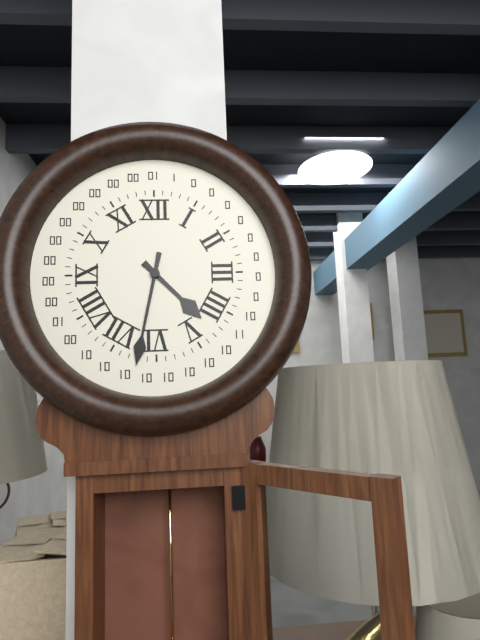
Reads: 4:32
